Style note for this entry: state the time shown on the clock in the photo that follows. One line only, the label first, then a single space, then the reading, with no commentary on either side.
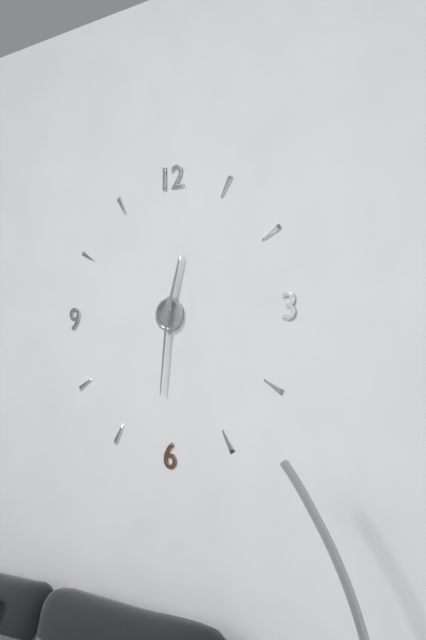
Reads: 12:31
